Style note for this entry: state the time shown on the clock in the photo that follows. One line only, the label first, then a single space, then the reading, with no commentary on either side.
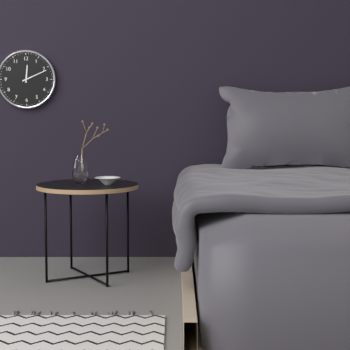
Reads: 12:11
